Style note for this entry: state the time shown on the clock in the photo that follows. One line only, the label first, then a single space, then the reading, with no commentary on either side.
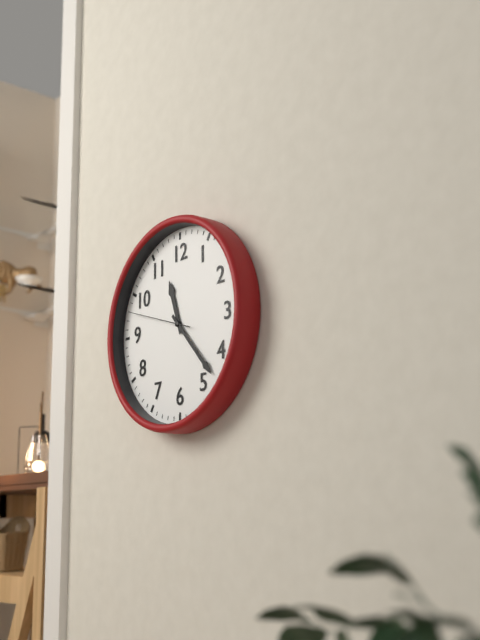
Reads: 11:23:48
